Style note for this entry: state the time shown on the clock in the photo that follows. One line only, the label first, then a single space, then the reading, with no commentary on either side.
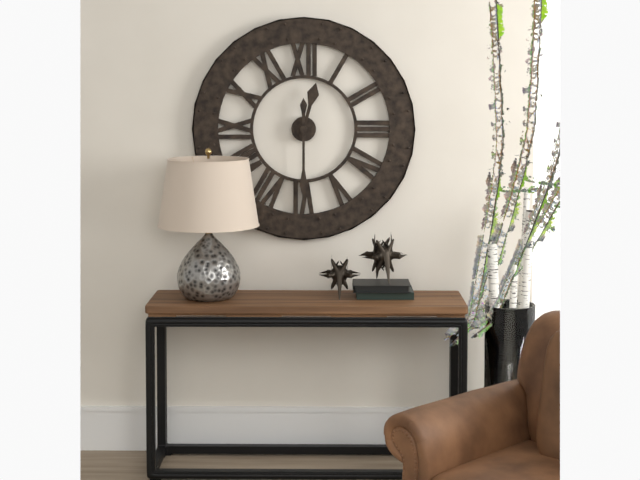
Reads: 12:30
